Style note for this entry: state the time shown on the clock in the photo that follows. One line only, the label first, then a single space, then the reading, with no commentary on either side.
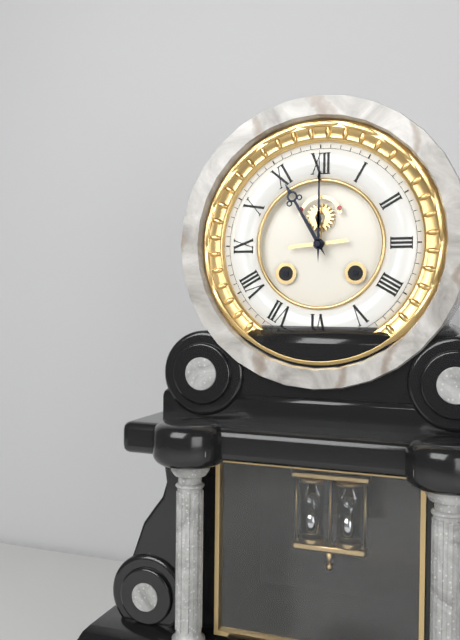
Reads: 11:00
